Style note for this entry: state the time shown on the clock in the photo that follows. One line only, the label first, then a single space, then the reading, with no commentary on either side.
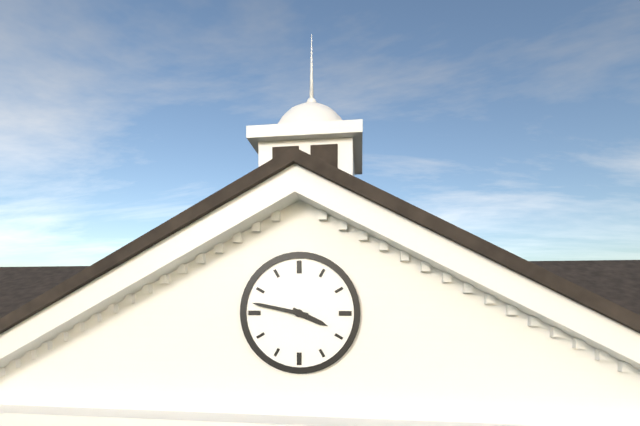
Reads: 3:47
